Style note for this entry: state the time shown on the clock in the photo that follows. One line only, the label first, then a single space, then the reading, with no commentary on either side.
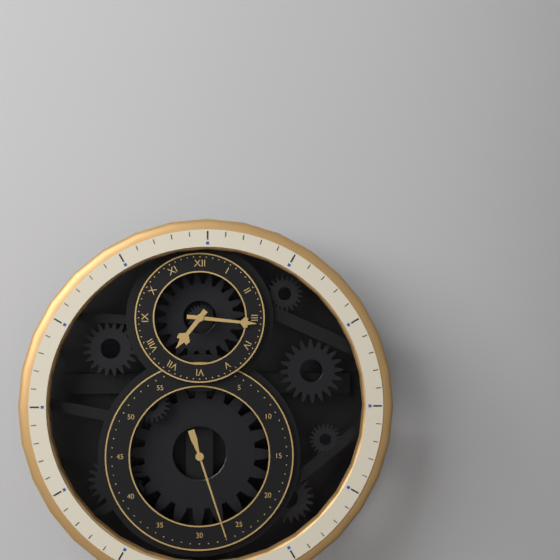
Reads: 7:16:27
